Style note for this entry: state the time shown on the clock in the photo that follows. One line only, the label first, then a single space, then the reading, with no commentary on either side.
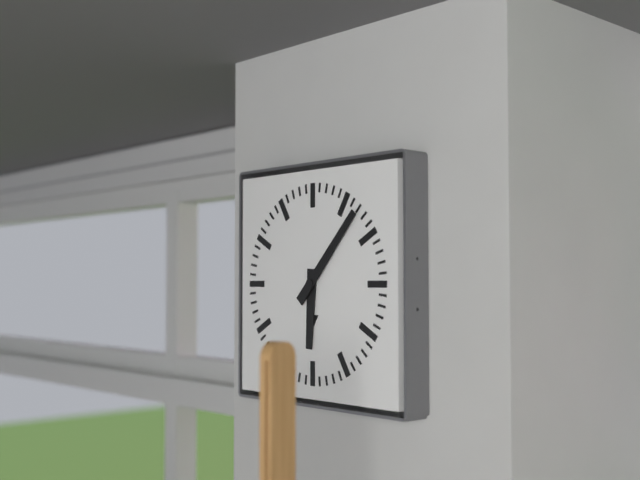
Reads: 6:07
